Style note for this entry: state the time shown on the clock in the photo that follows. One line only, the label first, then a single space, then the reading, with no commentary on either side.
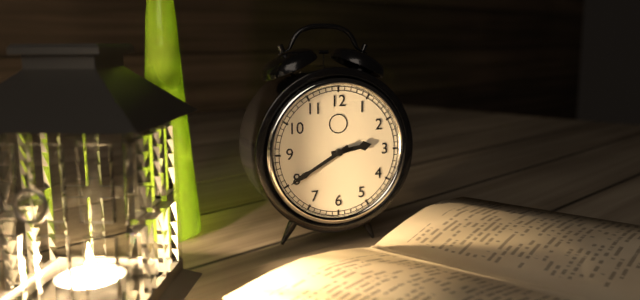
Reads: 2:40
